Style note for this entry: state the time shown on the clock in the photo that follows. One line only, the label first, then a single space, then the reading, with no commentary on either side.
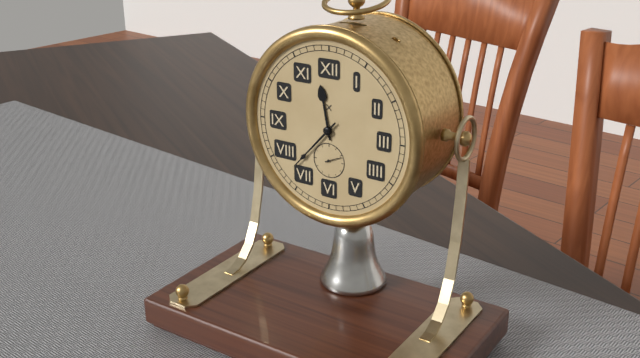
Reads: 11:37
